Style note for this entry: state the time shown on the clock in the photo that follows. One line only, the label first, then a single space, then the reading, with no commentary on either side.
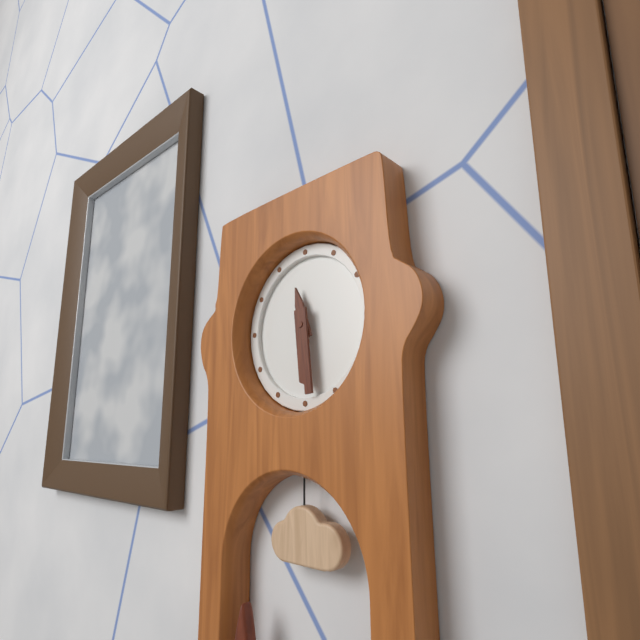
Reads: 11:29
